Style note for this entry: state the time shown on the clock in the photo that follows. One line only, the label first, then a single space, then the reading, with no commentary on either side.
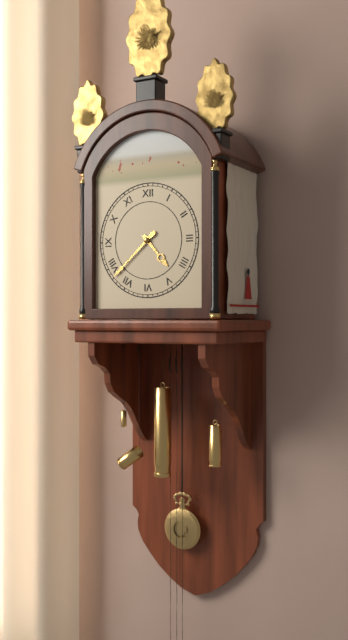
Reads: 4:38
